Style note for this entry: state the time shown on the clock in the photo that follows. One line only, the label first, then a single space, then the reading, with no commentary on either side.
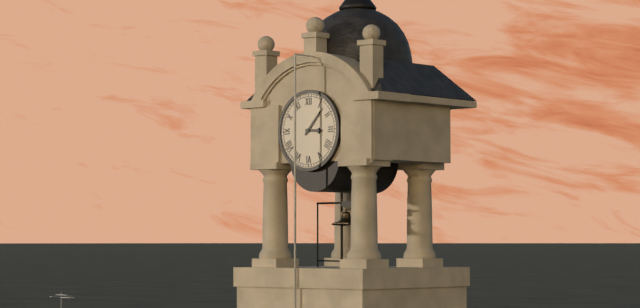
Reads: 3:07
